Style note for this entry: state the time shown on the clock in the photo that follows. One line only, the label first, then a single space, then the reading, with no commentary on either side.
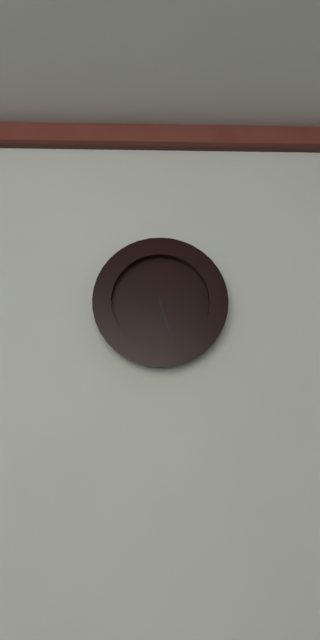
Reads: 5:27
